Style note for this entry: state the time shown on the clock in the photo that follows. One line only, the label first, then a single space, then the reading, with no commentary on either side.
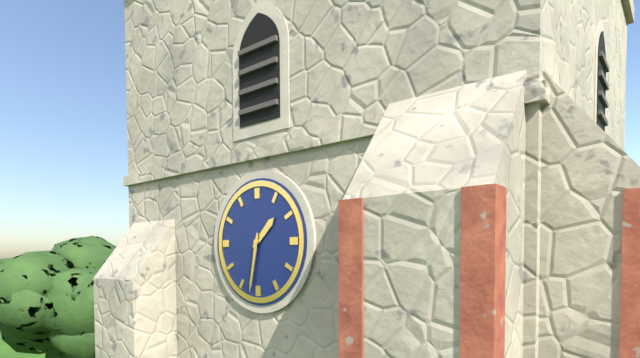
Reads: 1:32
